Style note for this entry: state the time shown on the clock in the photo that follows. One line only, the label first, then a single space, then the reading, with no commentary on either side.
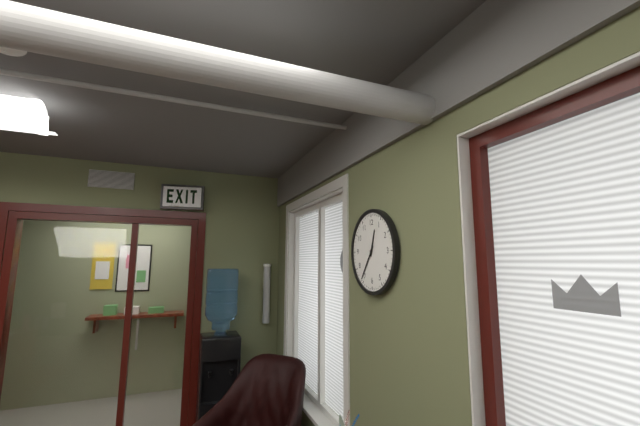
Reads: 12:36
